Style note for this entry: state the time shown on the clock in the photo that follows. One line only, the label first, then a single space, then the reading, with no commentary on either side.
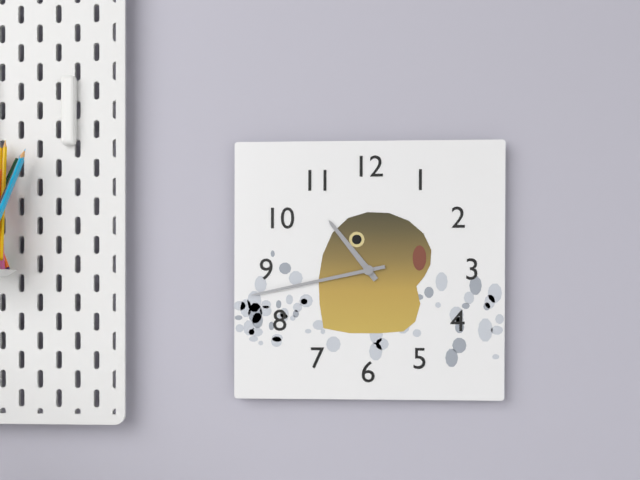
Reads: 10:43
